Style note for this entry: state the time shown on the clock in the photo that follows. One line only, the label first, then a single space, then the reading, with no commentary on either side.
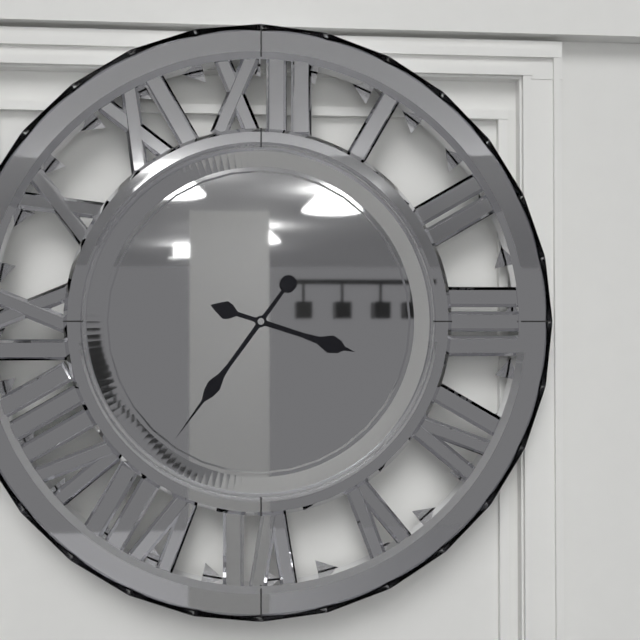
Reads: 3:36
